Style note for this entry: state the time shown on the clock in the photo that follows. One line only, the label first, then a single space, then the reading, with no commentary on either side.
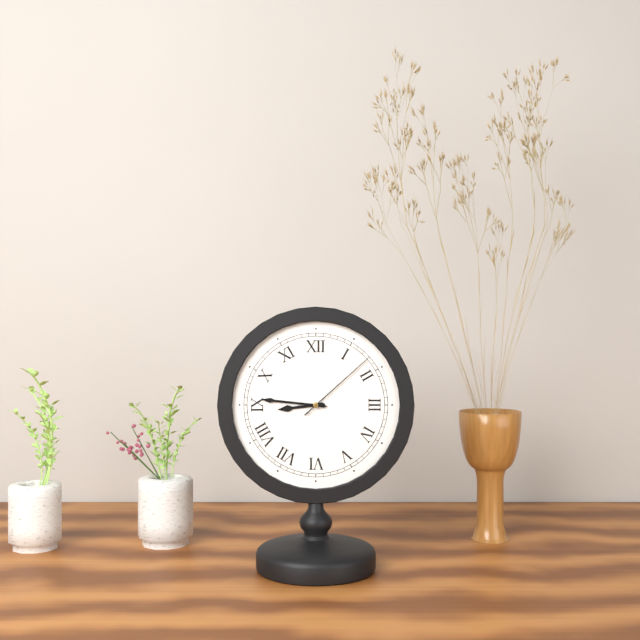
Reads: 8:46:08
